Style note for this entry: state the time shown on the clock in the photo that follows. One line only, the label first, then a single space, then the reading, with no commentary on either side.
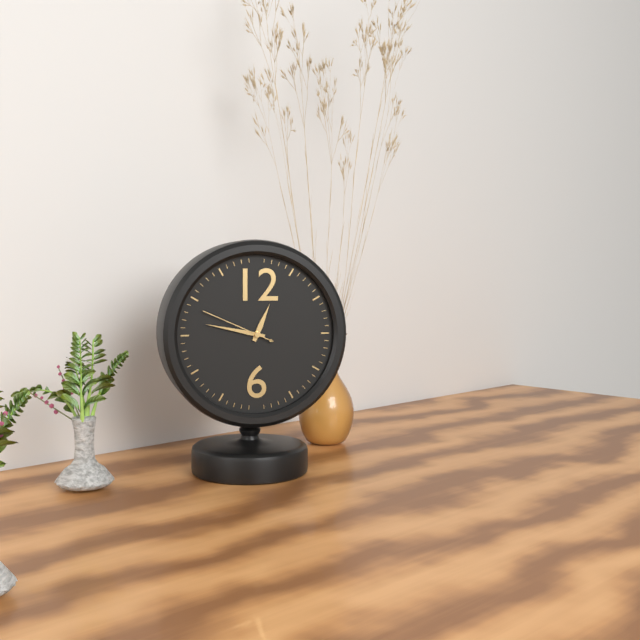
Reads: 12:47:49
